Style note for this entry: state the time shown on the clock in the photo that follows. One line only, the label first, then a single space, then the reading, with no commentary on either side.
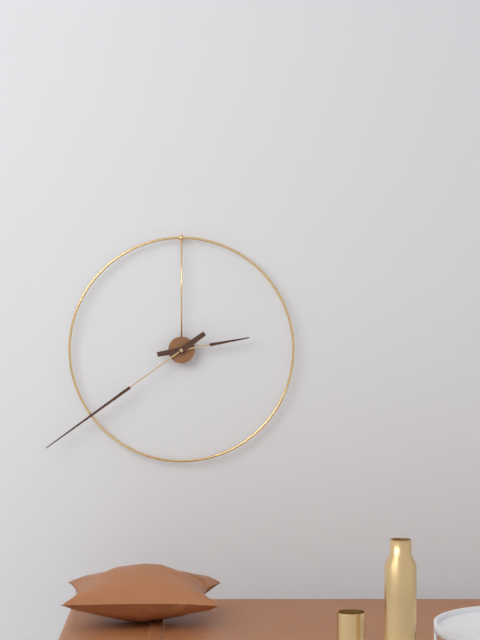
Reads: 2:39
